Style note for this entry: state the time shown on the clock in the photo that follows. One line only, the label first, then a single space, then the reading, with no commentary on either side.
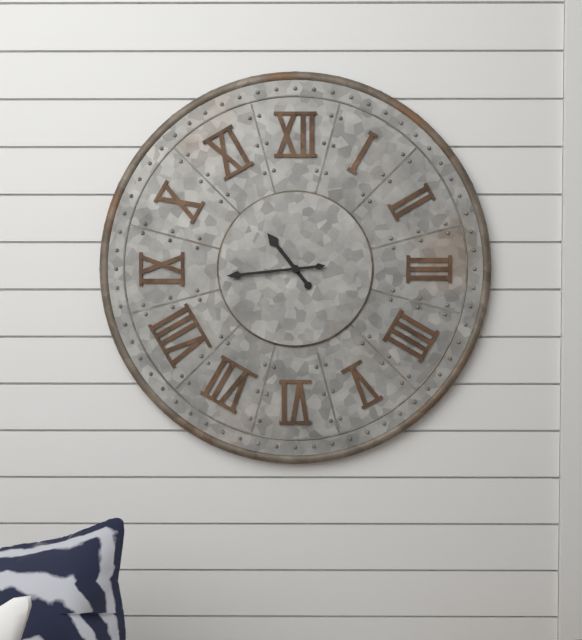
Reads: 10:44
